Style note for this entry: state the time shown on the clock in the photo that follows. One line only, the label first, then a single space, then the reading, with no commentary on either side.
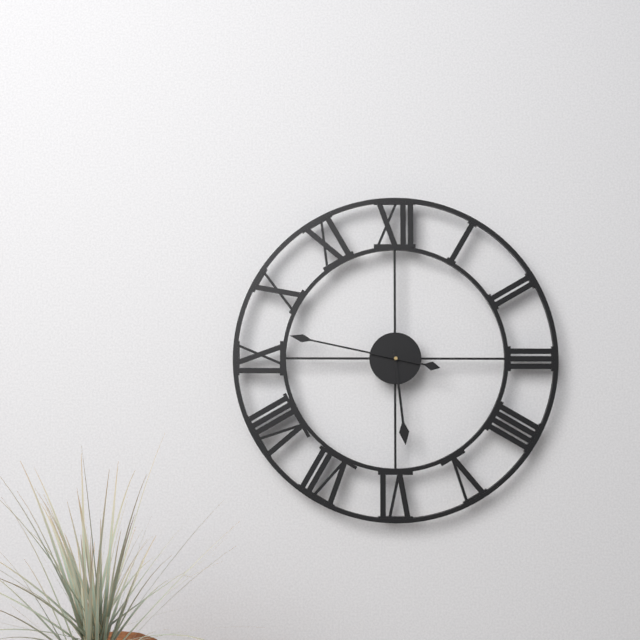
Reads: 5:47
